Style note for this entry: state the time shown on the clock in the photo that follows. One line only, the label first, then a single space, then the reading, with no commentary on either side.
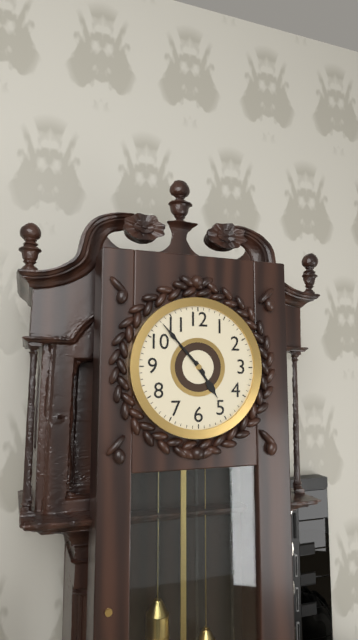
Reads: 4:53
